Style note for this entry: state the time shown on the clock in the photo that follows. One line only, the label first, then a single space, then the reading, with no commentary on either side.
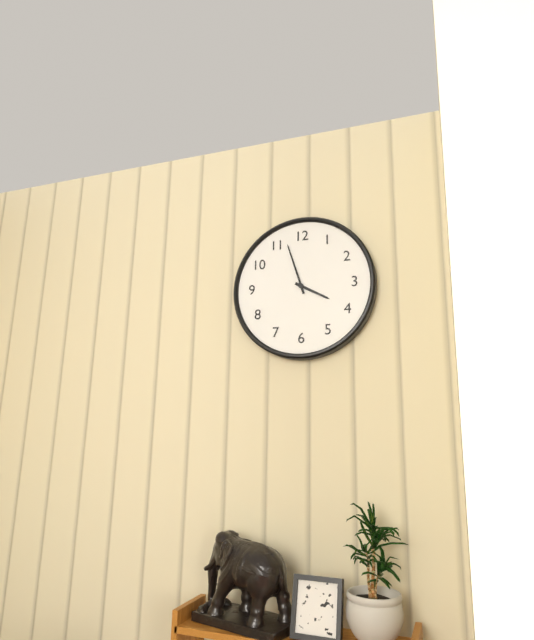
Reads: 3:57
